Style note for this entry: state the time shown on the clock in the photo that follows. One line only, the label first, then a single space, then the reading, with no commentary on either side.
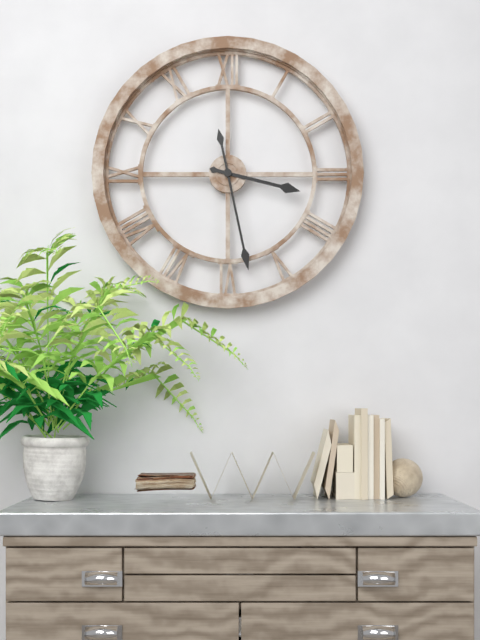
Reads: 3:28
